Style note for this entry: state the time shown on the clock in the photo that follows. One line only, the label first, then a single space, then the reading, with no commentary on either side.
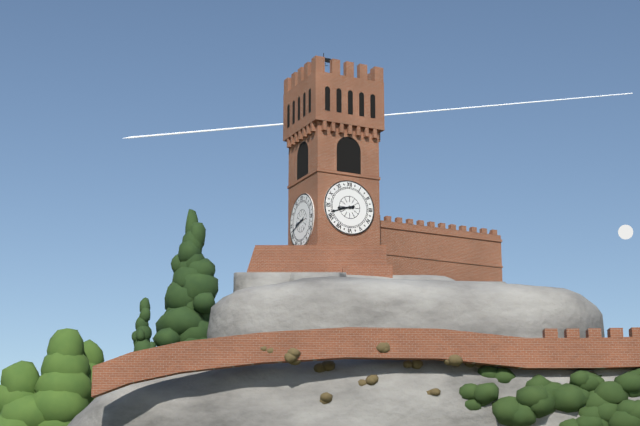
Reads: 8:42
